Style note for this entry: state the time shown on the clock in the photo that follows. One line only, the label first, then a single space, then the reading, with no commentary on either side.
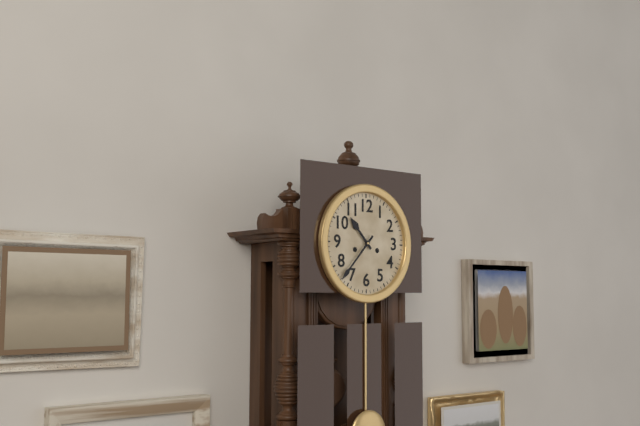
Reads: 10:37
